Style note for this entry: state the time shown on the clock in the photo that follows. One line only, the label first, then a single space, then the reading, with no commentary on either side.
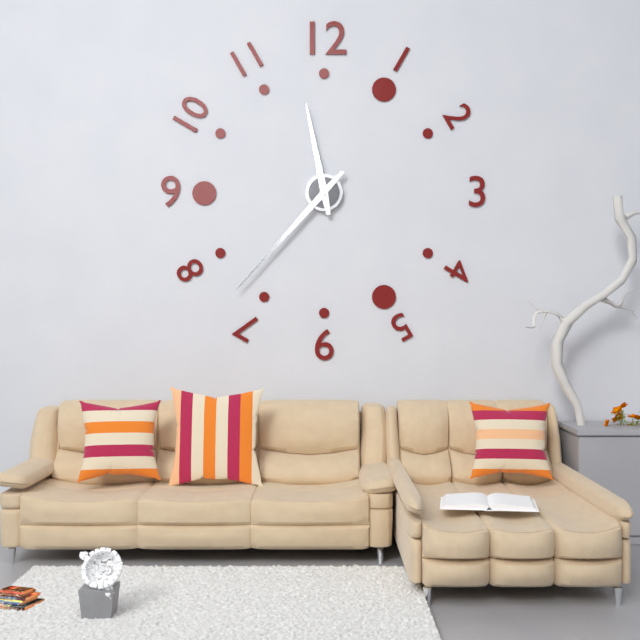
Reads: 11:37
